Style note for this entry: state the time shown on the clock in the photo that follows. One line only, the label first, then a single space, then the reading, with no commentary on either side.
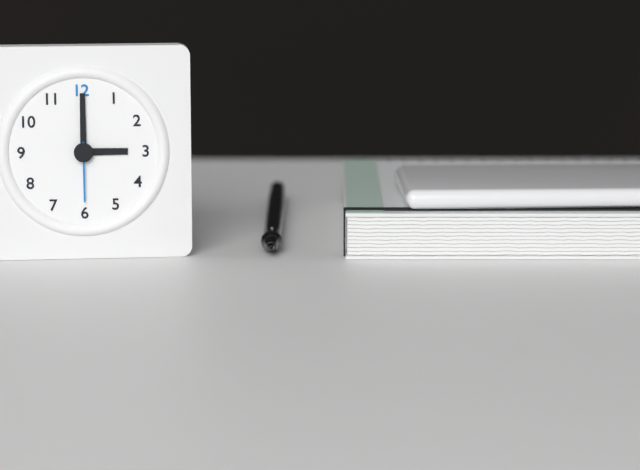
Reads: 3:00:30
